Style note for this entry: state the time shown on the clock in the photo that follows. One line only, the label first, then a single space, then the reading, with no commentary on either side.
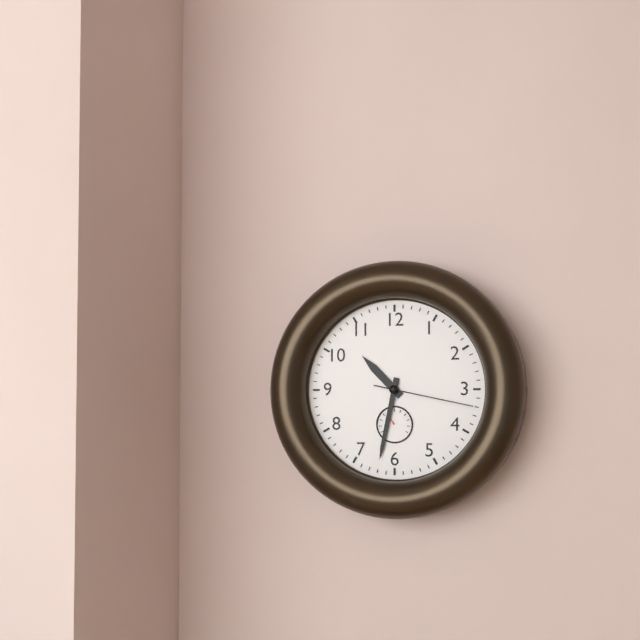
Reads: 10:32:17
